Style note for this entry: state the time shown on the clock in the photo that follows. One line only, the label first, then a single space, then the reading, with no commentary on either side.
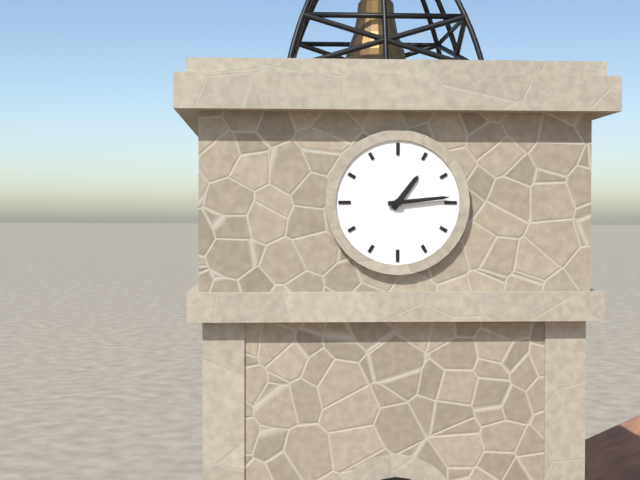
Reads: 1:14
